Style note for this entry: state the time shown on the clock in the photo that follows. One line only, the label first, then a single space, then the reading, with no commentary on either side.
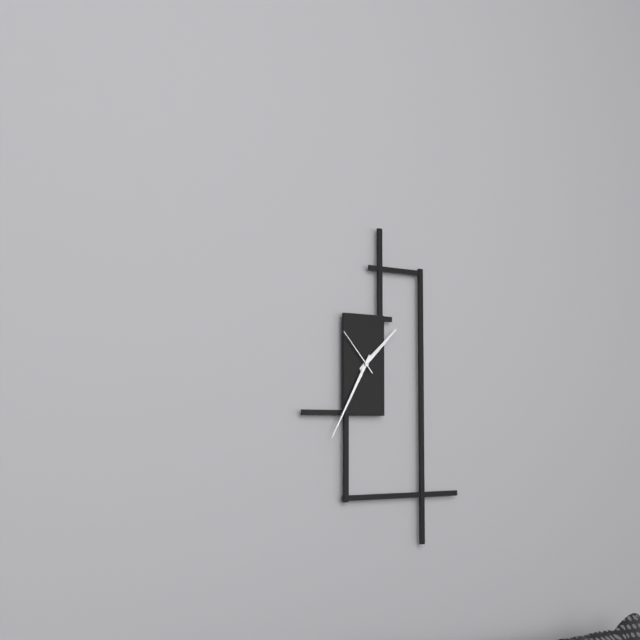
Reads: 1:35:53
